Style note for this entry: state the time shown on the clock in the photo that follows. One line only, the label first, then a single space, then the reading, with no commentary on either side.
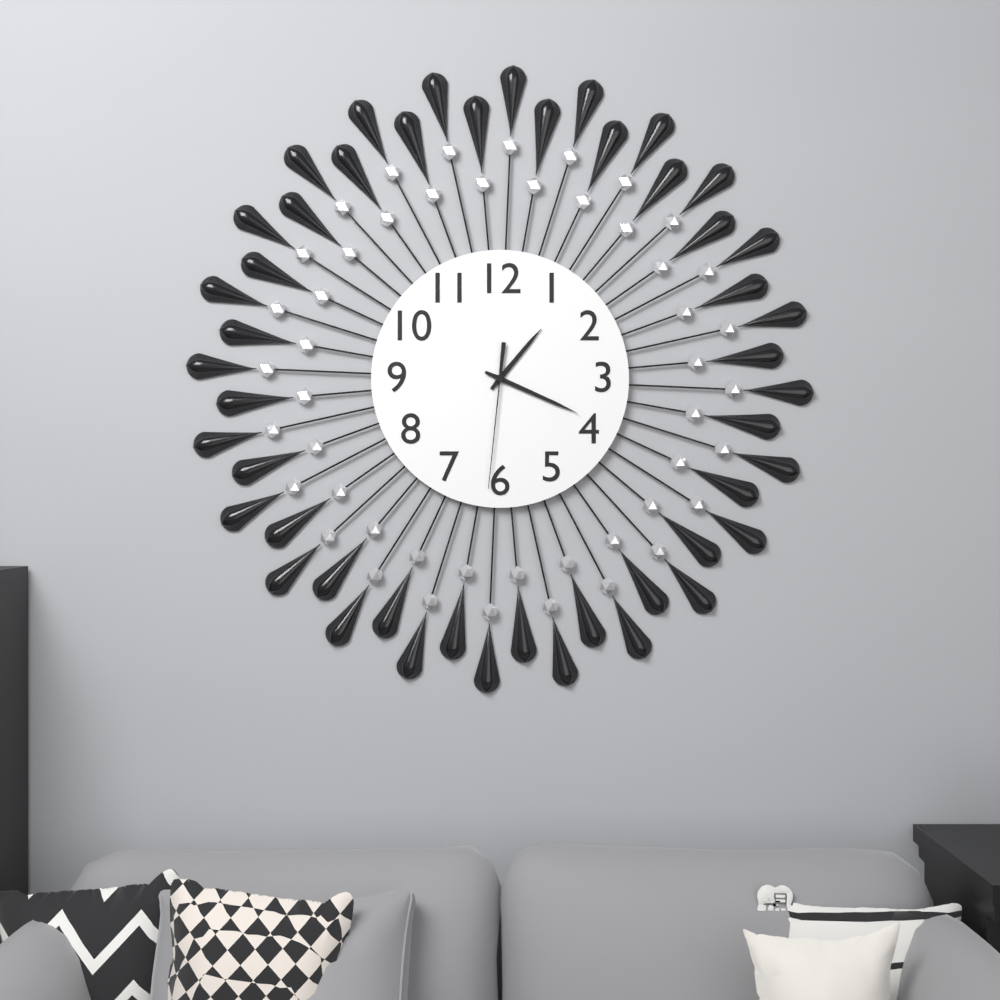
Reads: 1:19:31
